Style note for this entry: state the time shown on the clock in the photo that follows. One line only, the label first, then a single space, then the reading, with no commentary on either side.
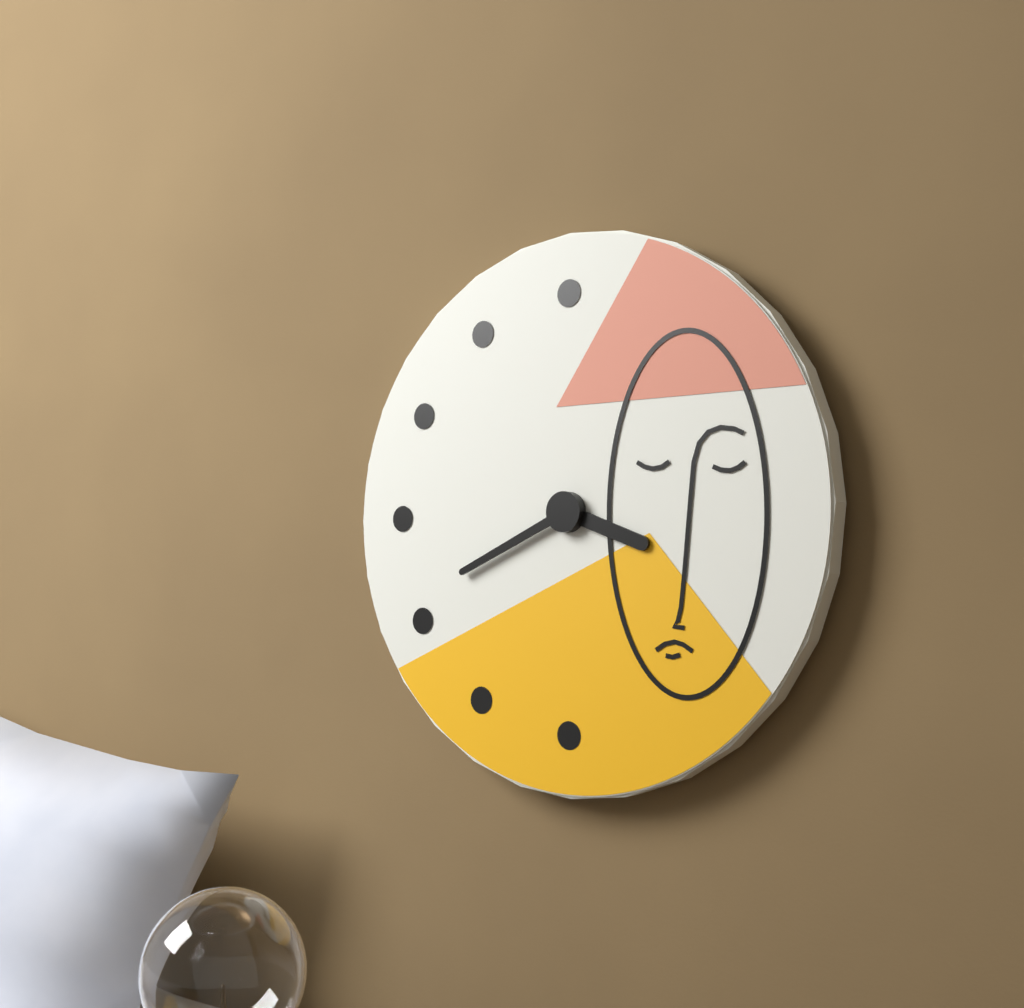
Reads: 3:41
